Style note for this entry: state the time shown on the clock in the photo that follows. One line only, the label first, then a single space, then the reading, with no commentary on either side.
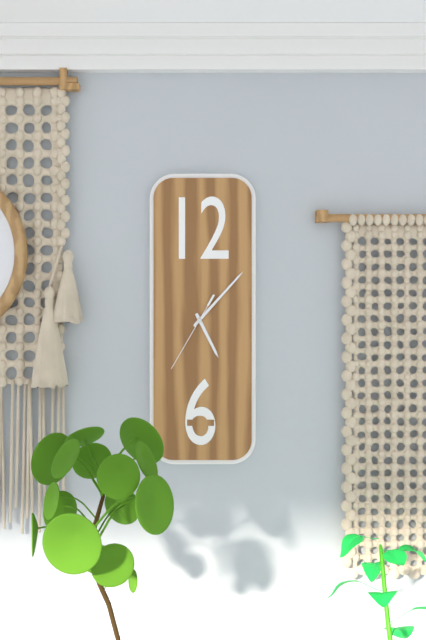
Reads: 5:07:35
